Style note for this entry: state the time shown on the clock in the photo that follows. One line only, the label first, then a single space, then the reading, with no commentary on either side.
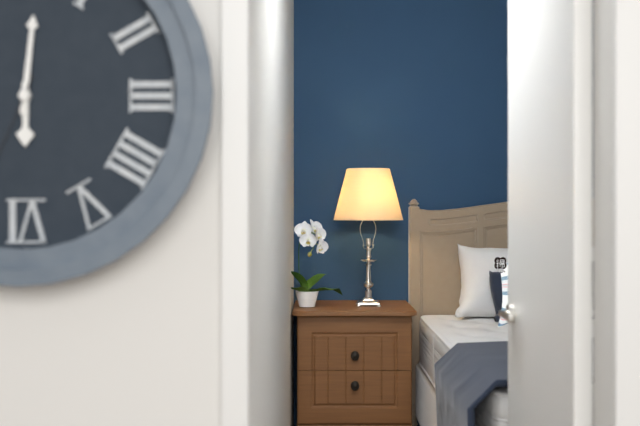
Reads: 6:01
